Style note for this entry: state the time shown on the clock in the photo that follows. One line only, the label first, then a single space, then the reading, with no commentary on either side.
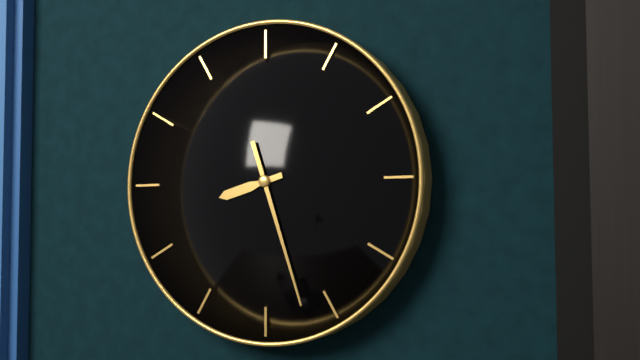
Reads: 8:27
